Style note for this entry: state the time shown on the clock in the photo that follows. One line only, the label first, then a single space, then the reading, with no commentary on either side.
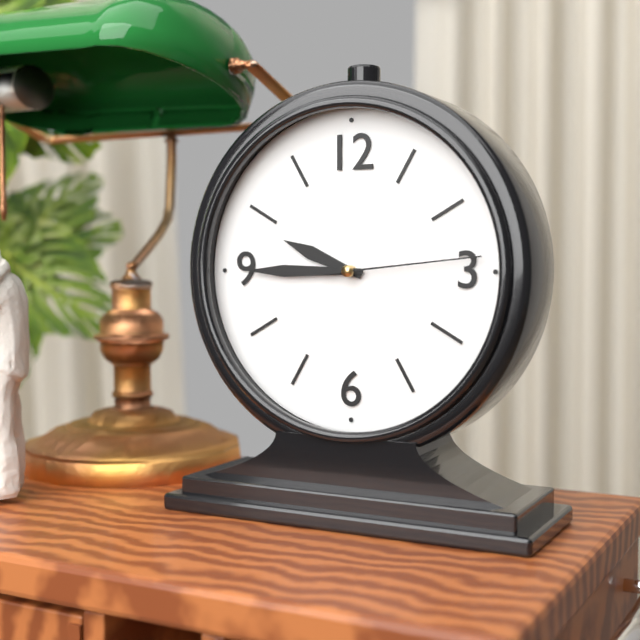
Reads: 9:45:14
